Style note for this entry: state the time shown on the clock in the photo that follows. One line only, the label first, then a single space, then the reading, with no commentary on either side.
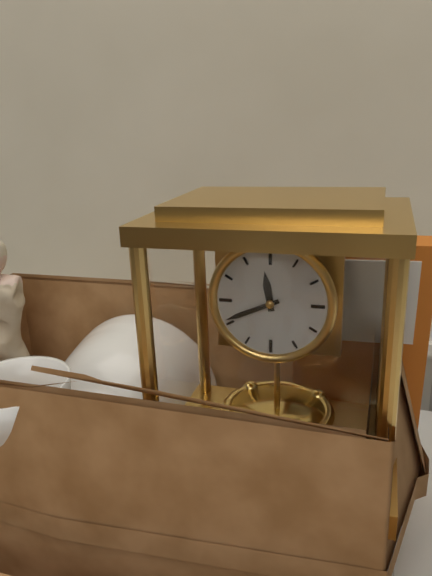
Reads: 11:41
